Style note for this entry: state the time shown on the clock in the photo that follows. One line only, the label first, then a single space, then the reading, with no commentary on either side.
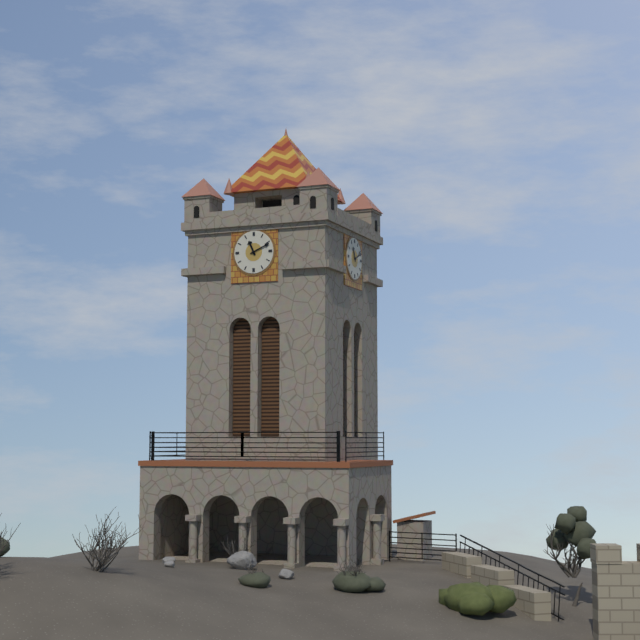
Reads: 11:11
